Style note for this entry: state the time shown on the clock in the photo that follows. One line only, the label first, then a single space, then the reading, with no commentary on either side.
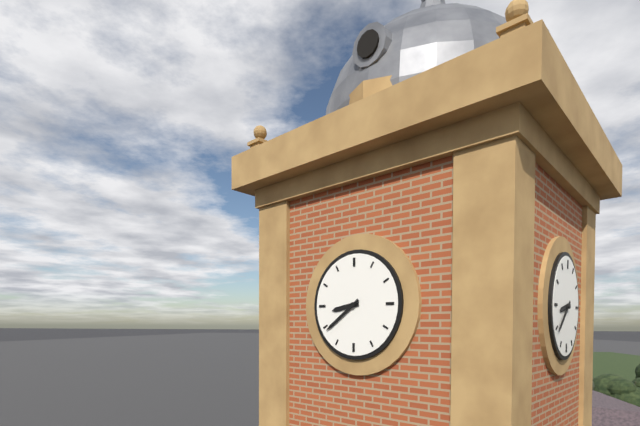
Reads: 8:39
